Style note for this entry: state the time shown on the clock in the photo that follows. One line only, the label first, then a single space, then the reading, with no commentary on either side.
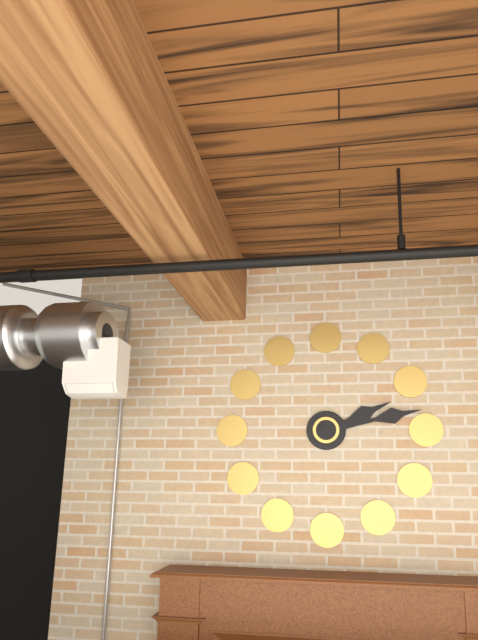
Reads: 2:13
